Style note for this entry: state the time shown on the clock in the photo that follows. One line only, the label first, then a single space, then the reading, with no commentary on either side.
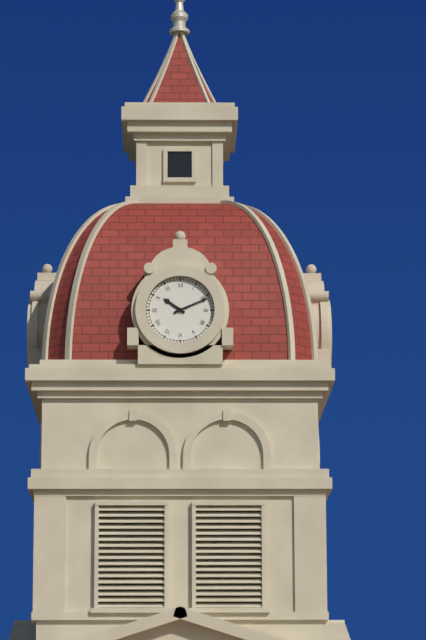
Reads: 10:11
